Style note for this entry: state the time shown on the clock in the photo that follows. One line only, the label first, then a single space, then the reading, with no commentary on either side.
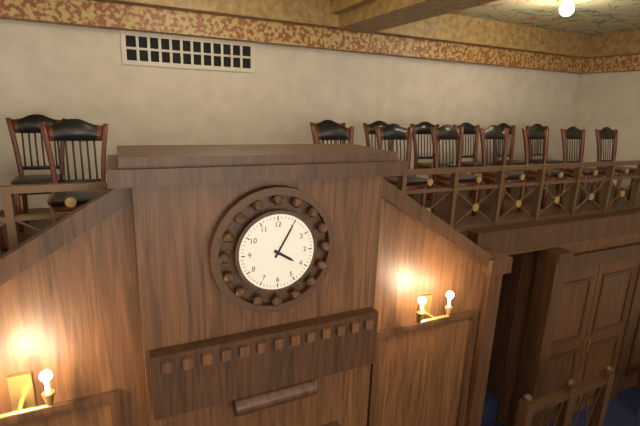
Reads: 4:05
